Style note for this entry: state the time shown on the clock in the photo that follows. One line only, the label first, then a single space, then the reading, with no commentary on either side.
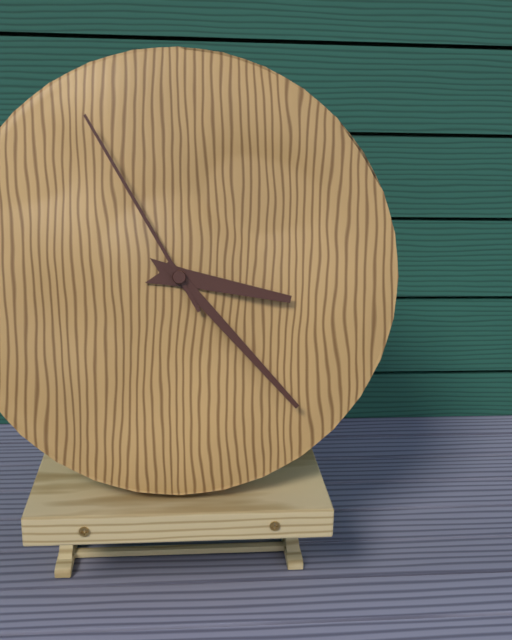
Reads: 3:23:55
